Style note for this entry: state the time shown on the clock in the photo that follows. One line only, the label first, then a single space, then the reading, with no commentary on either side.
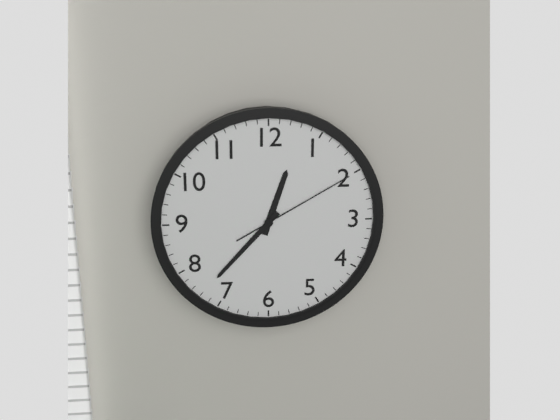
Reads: 12:37:10
